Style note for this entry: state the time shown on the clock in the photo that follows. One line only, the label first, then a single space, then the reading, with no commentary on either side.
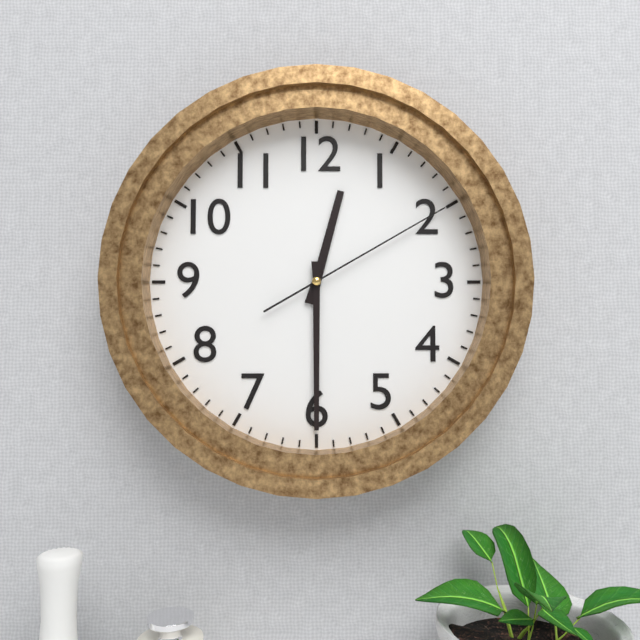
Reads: 12:30:10
